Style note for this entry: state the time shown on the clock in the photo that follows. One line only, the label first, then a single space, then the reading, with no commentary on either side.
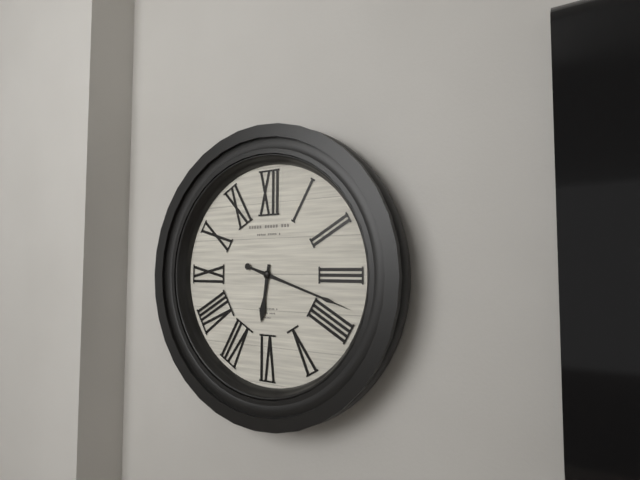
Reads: 6:18
